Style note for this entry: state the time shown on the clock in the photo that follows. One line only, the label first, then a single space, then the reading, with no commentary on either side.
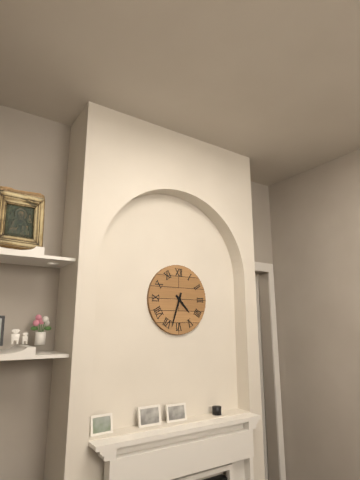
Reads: 4:33
